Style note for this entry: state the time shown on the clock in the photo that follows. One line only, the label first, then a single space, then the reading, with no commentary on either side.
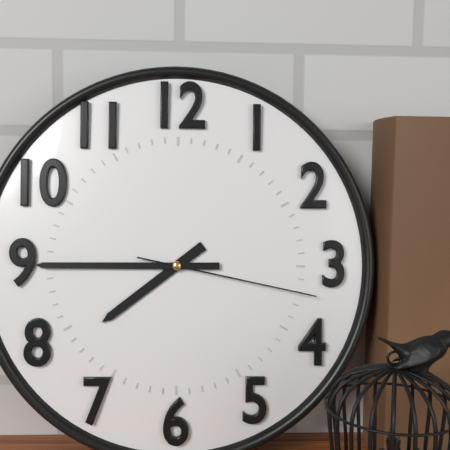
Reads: 7:45:17
